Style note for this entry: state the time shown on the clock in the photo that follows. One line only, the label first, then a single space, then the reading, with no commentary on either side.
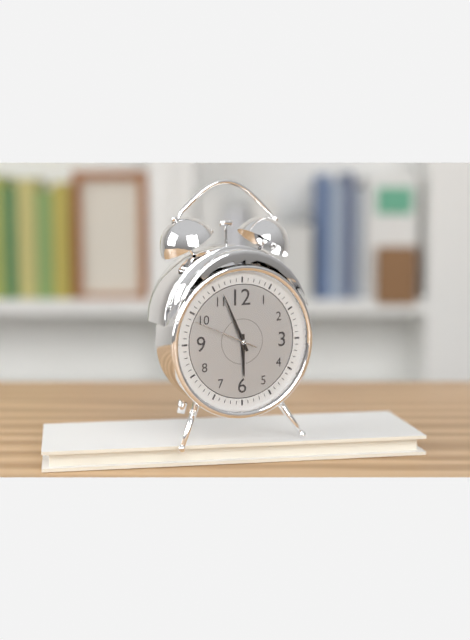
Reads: 5:56:49
